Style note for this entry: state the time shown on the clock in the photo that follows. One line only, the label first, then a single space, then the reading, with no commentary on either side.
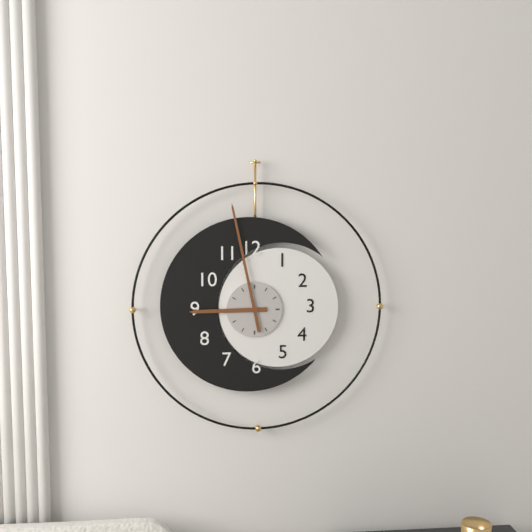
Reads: 8:58
